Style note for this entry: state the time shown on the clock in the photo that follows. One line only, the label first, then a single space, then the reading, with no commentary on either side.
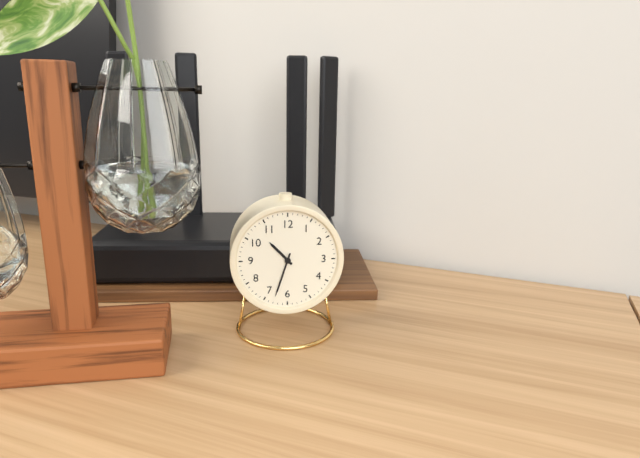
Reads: 10:33
